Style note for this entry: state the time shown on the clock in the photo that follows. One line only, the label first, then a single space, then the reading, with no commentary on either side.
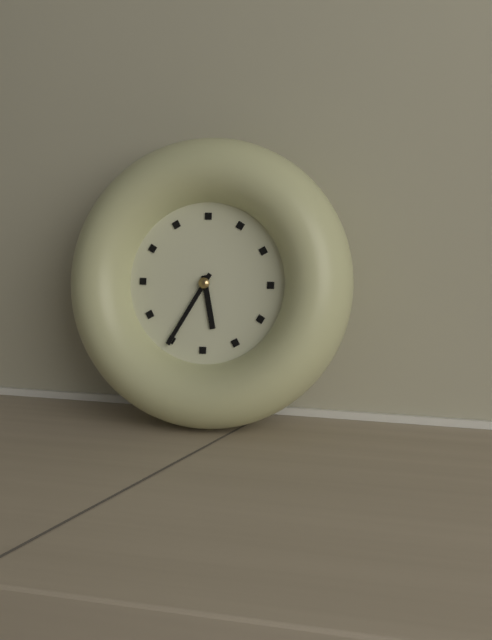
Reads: 5:35
